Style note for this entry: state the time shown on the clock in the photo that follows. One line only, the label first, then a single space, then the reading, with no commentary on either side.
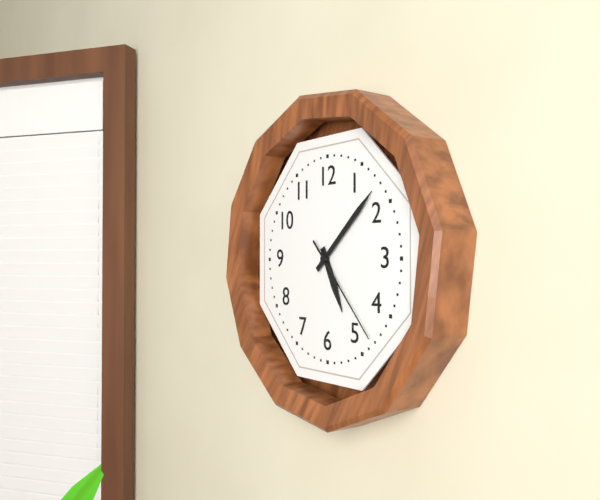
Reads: 5:08:23
